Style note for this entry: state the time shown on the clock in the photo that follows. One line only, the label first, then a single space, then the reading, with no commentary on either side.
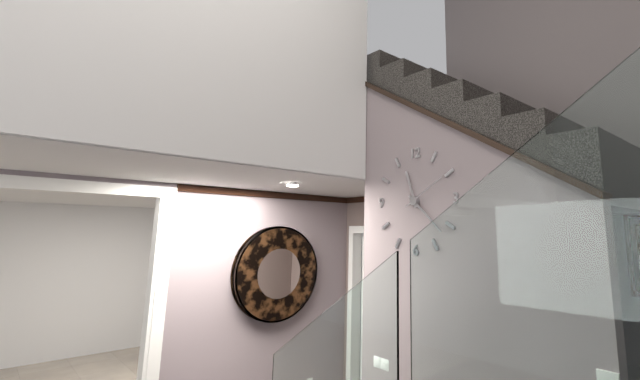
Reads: 11:22
